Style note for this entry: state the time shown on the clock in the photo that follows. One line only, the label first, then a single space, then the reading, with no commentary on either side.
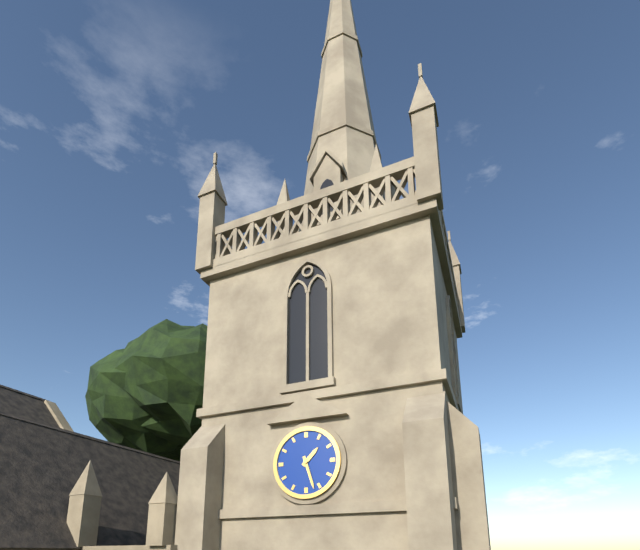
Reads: 1:27
